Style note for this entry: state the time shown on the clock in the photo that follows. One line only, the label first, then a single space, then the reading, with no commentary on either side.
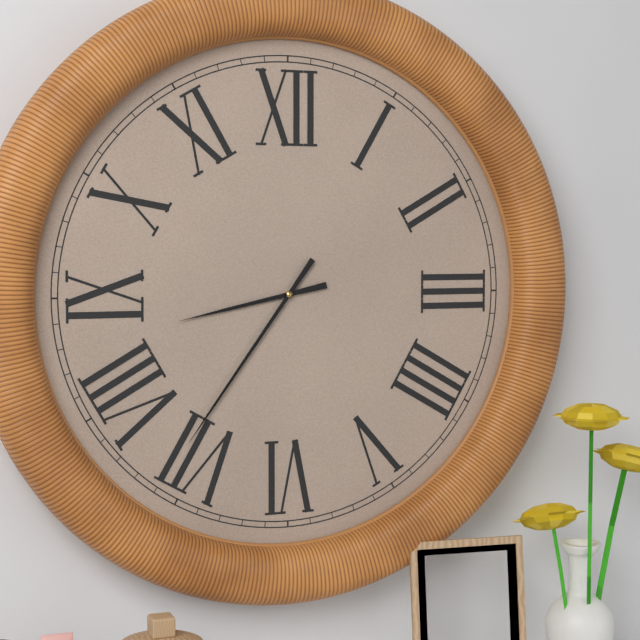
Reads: 8:36
